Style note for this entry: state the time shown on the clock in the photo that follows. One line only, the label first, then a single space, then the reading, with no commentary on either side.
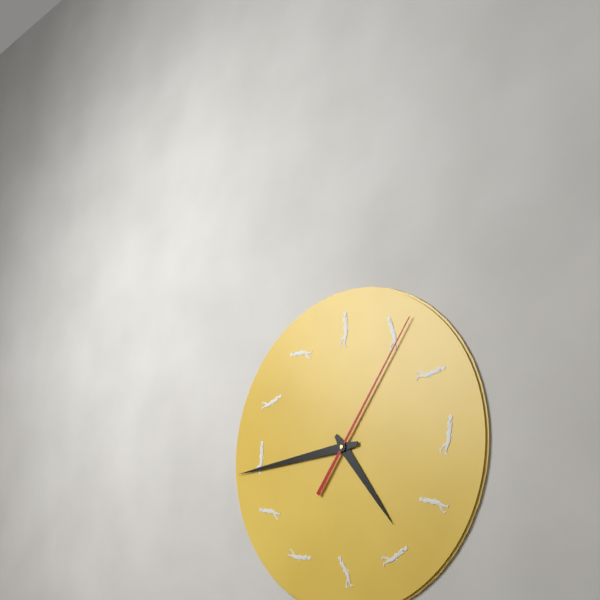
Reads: 4:44:06
